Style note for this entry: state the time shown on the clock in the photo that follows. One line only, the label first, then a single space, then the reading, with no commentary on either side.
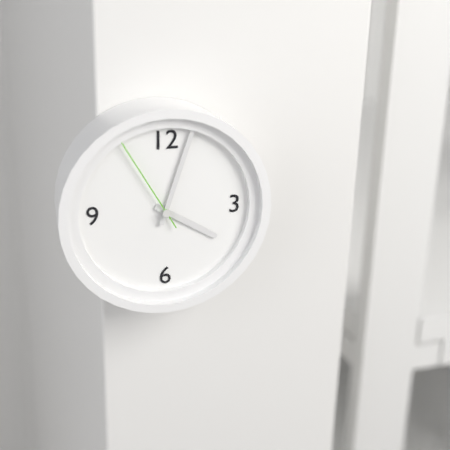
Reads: 4:03:55
